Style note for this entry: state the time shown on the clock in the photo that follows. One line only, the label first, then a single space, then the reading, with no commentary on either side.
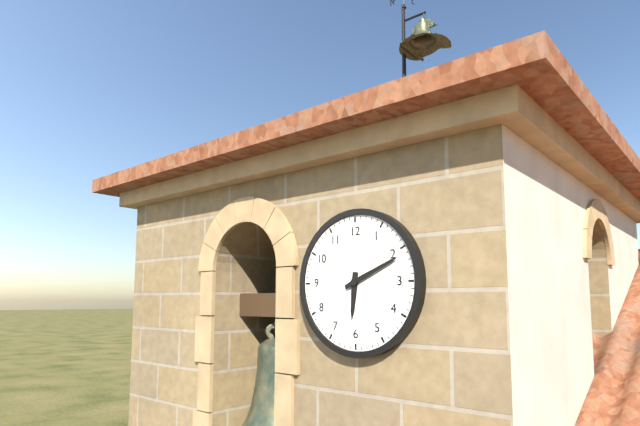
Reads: 6:11
